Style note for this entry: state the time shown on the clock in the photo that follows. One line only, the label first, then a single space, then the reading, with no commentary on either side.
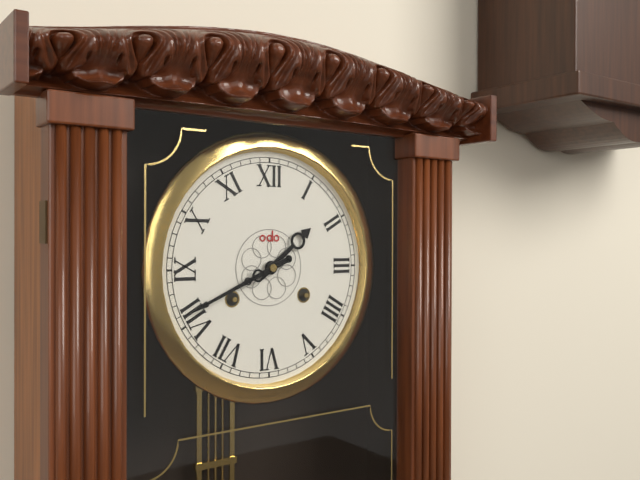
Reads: 1:41
